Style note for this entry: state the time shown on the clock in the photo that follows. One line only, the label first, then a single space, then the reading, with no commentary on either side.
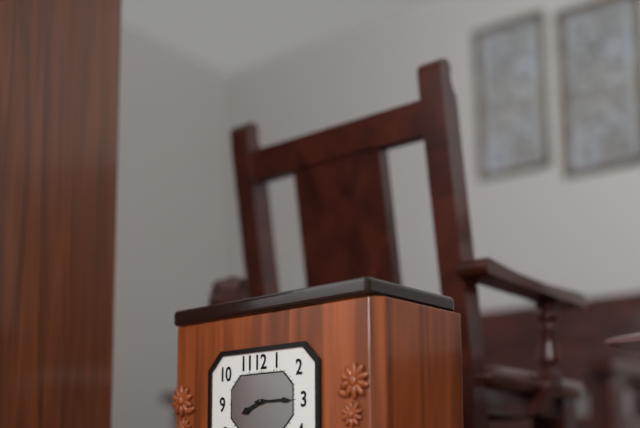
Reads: 8:15
